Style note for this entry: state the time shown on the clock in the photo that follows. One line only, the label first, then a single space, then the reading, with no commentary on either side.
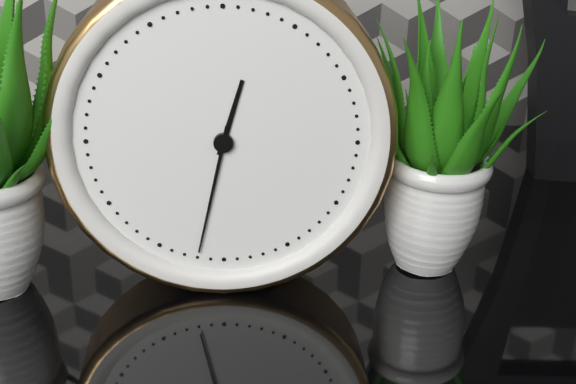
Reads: 12:32
